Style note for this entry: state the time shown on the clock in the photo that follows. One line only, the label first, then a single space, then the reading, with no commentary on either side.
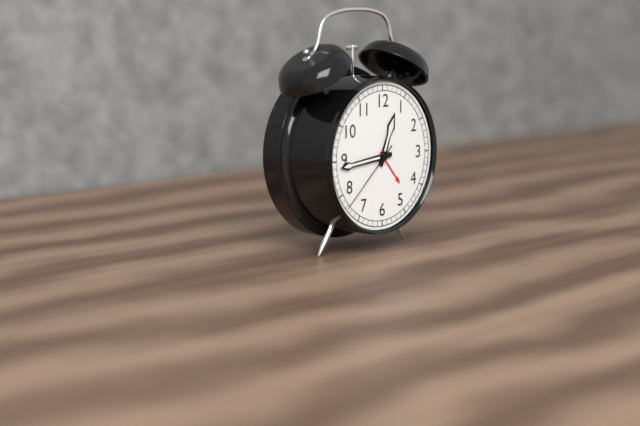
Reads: 12:44:38
